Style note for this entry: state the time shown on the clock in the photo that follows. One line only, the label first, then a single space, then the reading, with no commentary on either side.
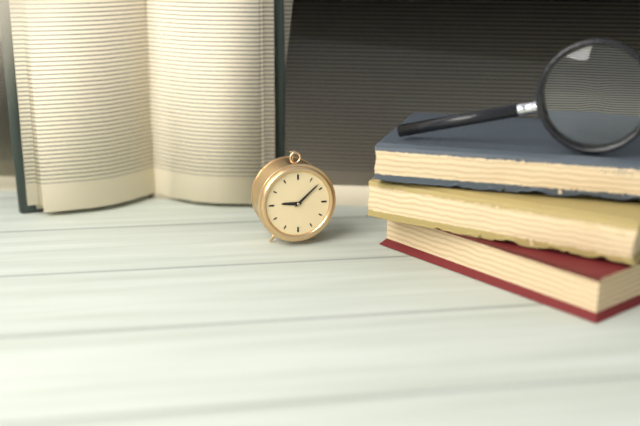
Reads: 9:08
